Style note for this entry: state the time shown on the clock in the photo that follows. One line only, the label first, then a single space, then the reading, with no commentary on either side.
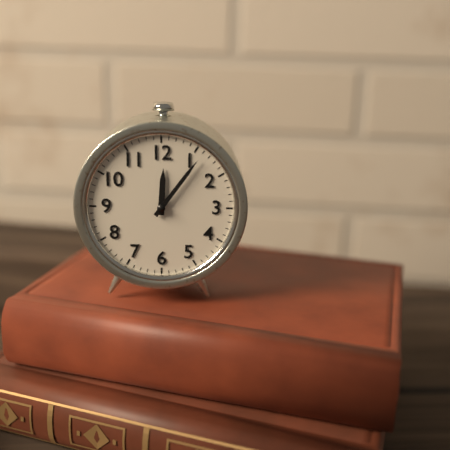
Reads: 12:06
